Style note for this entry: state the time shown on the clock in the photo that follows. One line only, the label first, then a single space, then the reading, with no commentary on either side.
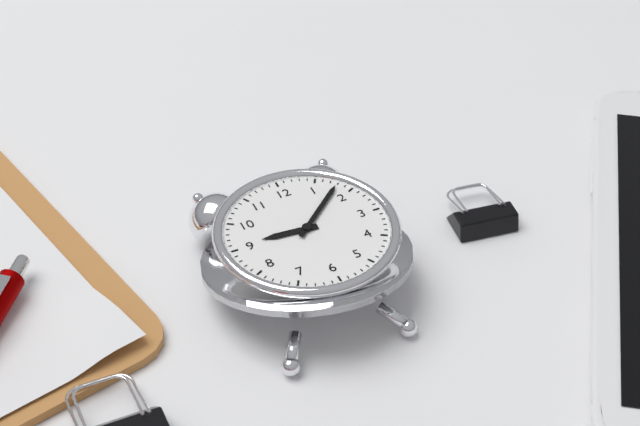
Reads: 9:08
